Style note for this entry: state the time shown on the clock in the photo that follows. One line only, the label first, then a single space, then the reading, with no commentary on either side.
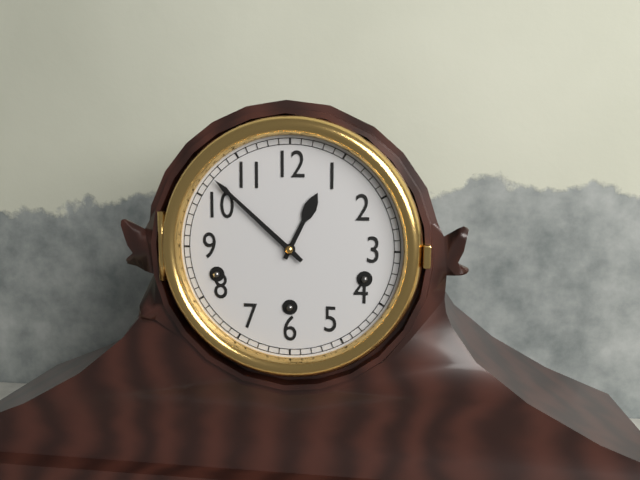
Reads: 12:52
